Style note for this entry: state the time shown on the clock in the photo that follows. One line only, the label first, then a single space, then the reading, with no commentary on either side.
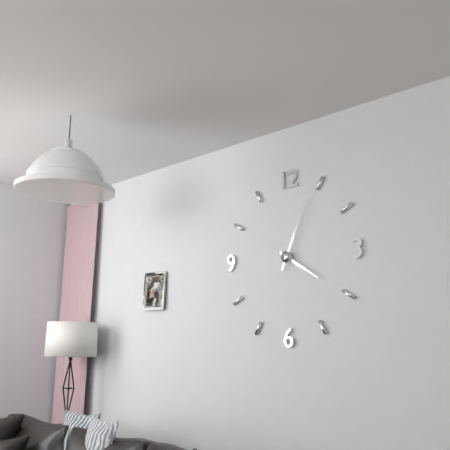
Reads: 4:04
